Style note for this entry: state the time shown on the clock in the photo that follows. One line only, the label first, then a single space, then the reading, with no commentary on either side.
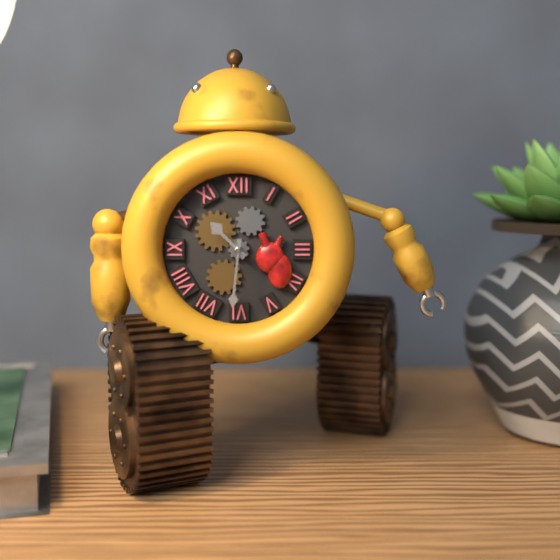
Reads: 10:31
